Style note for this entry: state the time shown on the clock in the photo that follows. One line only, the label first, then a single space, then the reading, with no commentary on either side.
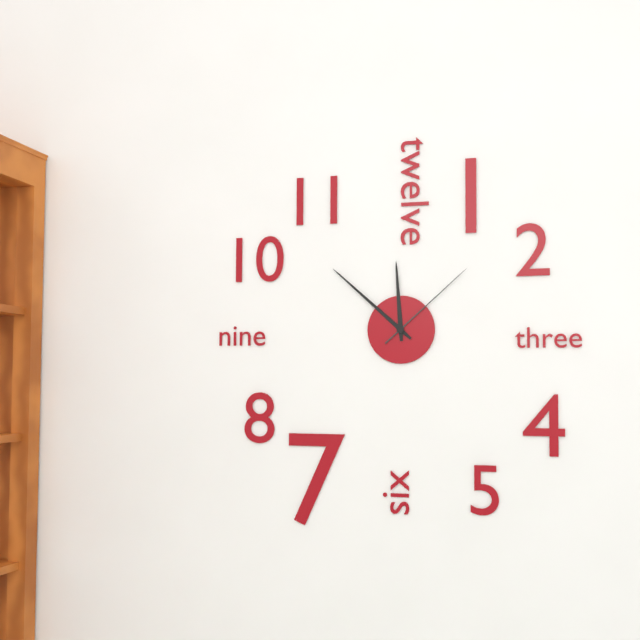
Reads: 11:52:08
